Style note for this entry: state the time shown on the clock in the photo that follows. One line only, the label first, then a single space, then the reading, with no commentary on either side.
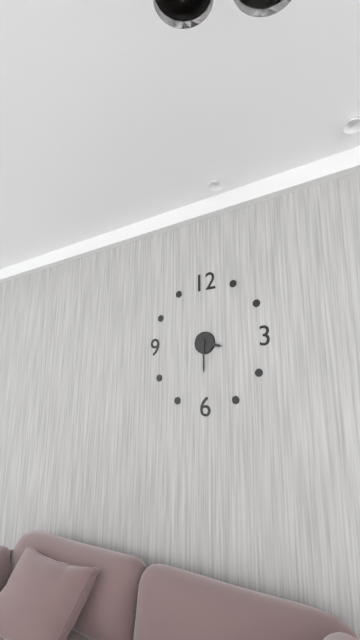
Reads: 3:30
